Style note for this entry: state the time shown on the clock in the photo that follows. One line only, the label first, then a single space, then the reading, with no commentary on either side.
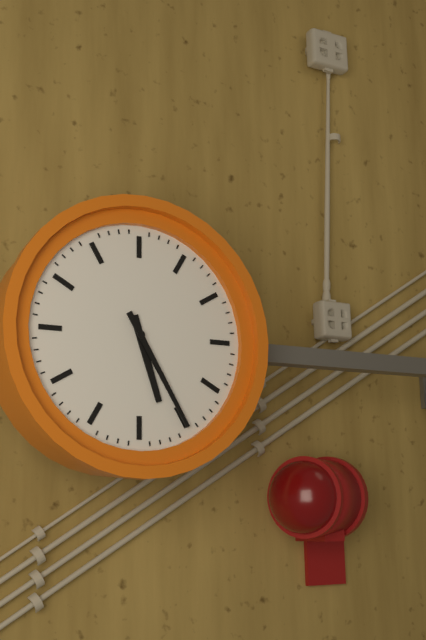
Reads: 5:25
